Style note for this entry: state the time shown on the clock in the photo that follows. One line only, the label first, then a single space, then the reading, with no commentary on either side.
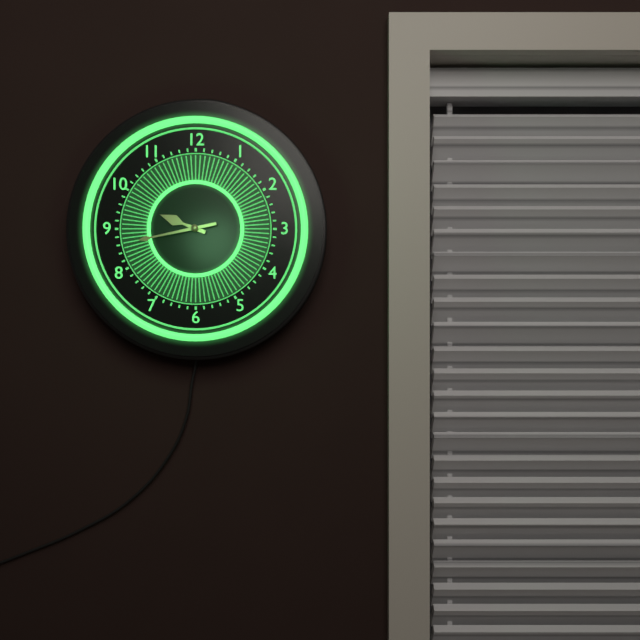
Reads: 9:43
